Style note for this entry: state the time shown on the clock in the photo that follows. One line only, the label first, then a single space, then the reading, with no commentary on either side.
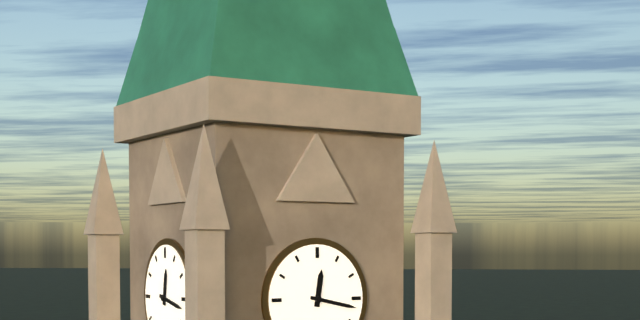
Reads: 12:17
